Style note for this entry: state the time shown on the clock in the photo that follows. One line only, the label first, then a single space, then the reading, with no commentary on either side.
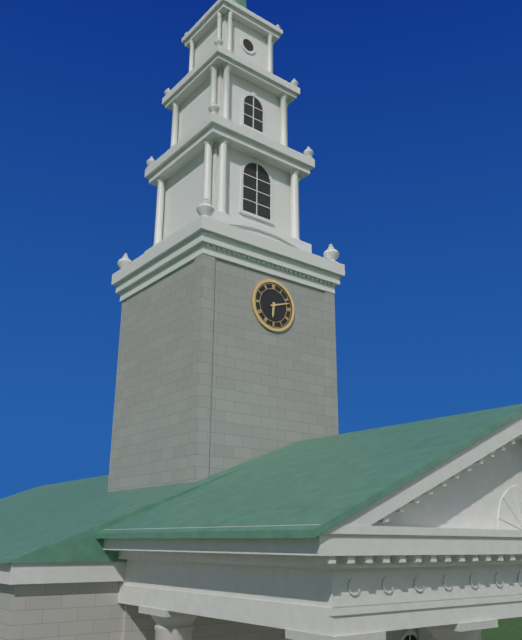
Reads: 6:12
